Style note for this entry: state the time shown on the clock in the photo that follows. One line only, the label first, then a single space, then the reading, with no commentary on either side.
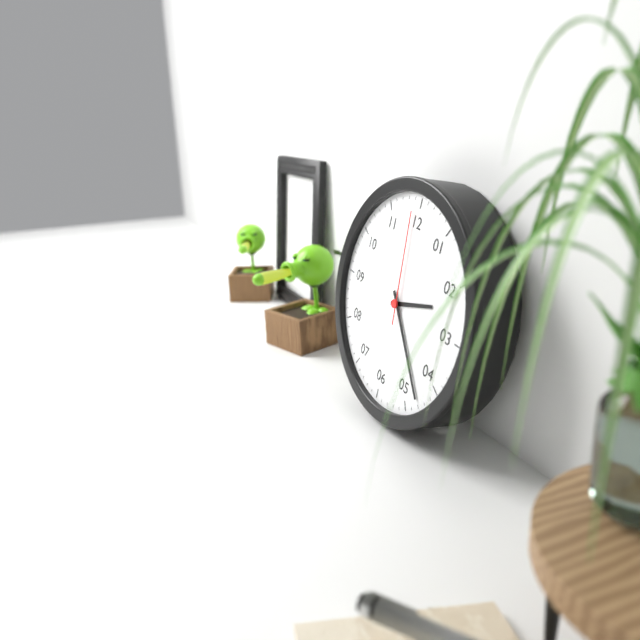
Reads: 2:23:59
